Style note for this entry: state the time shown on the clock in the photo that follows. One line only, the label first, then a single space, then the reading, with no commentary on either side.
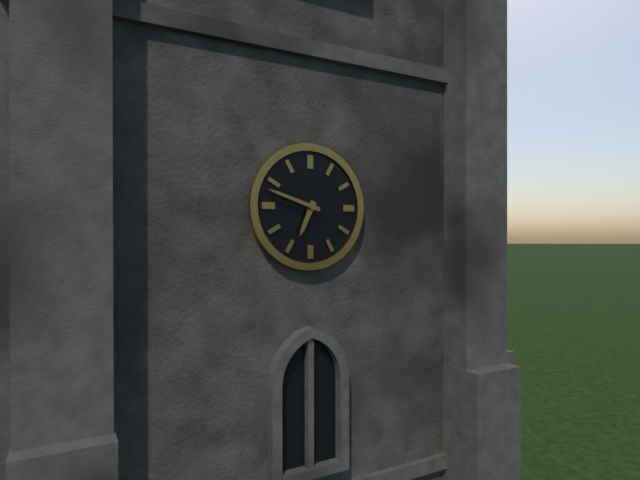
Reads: 6:48
